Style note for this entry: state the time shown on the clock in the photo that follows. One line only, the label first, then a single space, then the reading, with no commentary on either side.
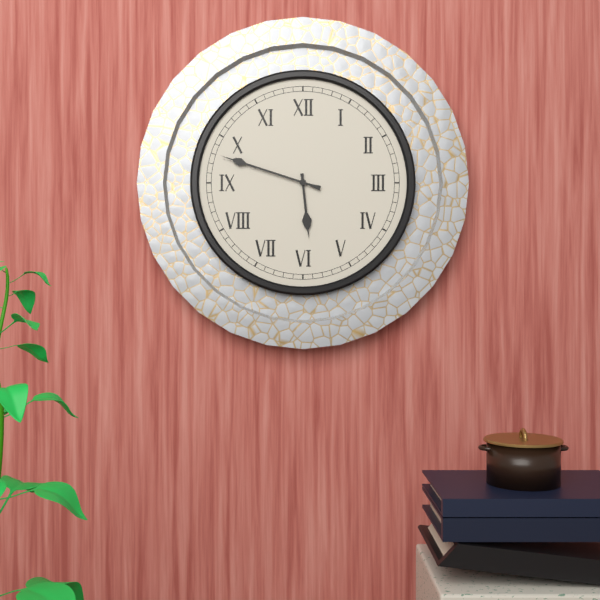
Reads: 5:48
